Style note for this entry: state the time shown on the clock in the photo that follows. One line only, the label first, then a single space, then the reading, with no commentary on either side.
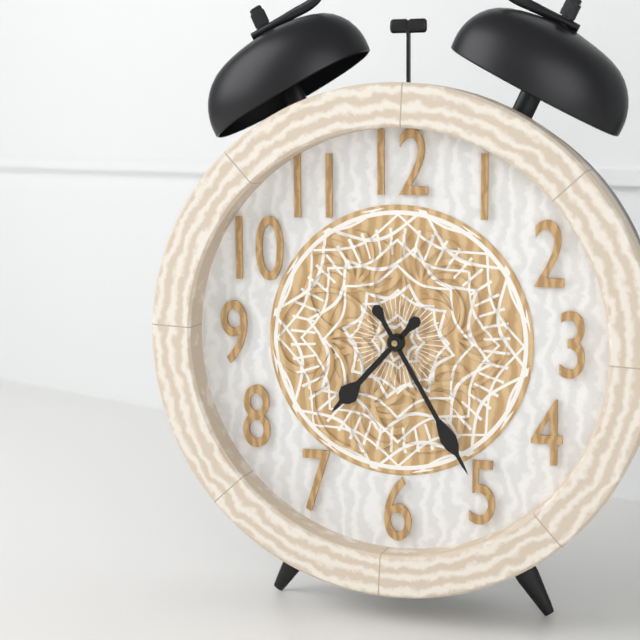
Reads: 7:25
